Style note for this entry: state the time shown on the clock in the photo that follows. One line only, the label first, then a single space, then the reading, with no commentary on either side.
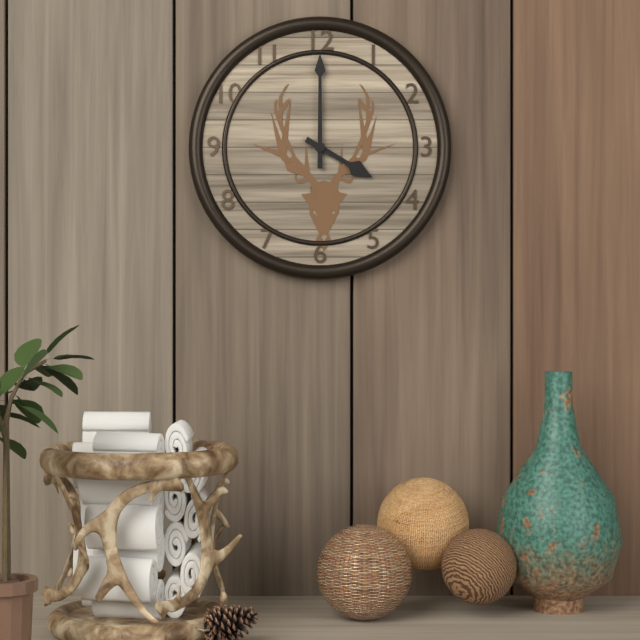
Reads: 4:00
